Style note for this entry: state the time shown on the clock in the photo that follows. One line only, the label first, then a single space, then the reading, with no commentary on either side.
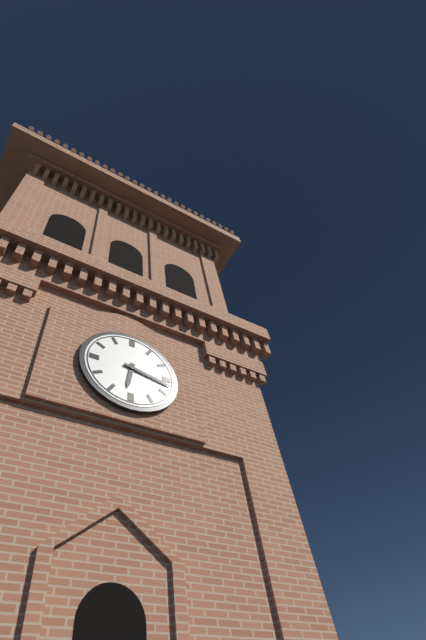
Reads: 6:17
